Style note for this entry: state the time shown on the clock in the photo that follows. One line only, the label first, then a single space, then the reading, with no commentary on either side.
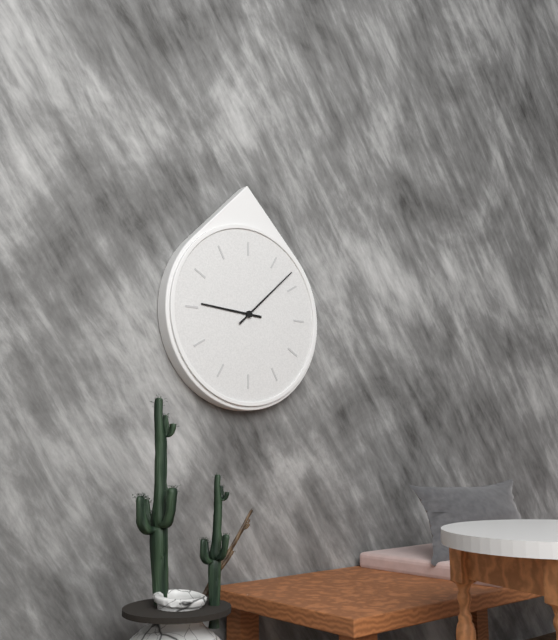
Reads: 9:08
